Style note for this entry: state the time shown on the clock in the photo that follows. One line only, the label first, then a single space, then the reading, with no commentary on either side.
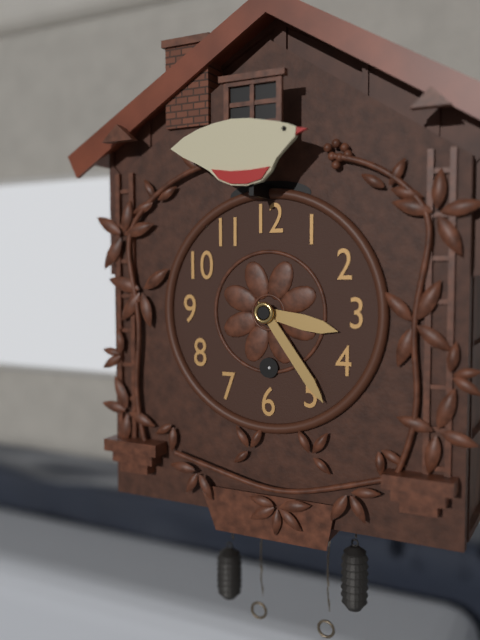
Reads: 3:24
